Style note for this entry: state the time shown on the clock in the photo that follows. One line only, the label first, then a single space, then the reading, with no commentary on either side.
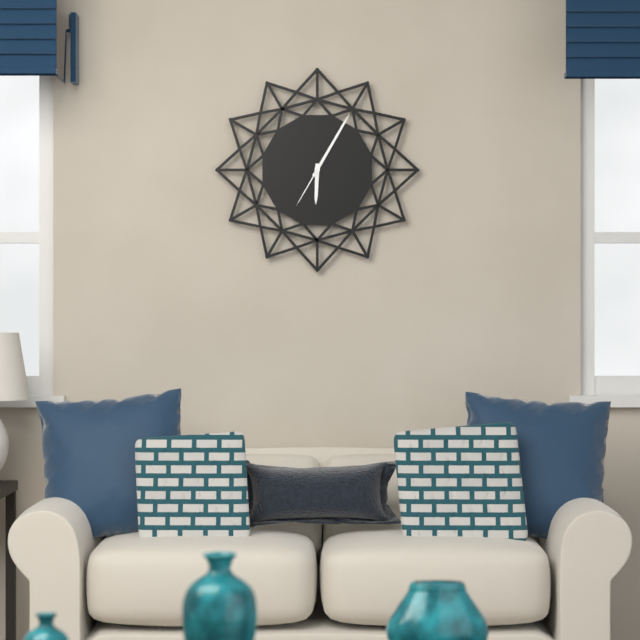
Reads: 6:05:35
